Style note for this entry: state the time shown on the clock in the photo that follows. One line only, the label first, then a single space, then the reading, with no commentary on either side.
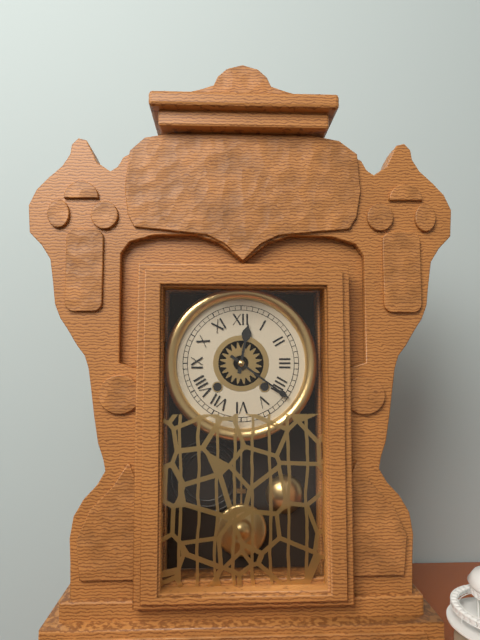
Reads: 12:21
